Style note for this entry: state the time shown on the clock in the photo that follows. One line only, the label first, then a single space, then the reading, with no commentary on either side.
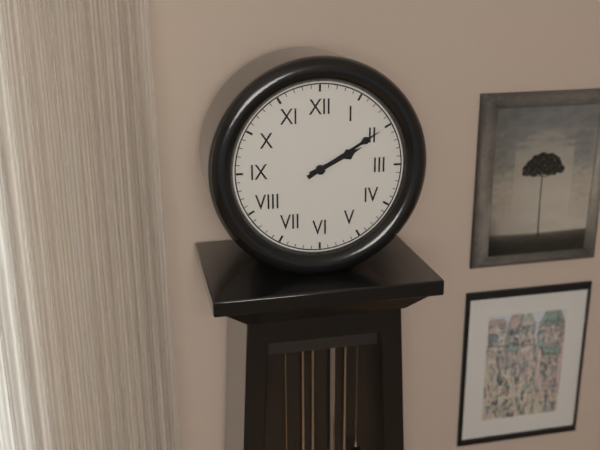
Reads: 2:10
